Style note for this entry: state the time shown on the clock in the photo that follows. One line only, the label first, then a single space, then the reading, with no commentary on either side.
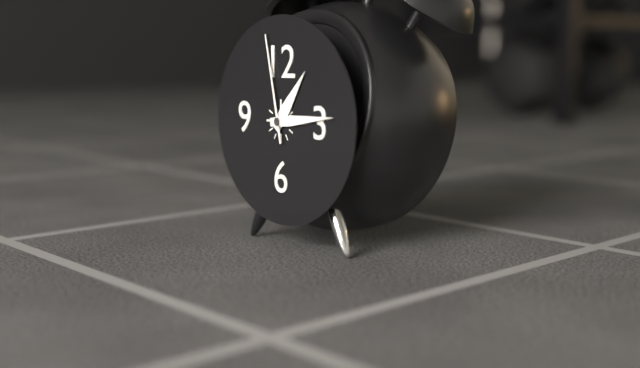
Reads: 1:14:58
